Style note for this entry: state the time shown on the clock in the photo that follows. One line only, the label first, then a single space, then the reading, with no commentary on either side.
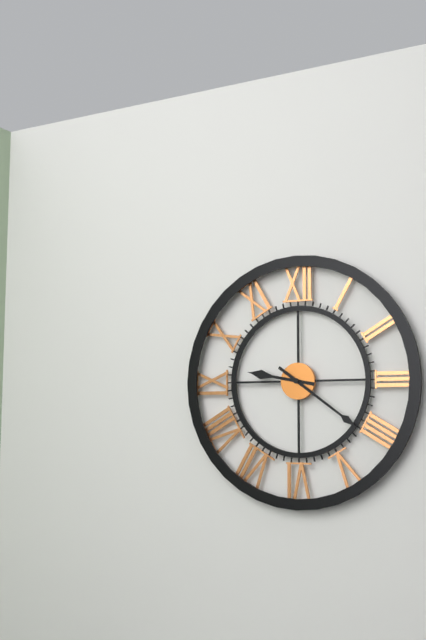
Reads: 9:21
